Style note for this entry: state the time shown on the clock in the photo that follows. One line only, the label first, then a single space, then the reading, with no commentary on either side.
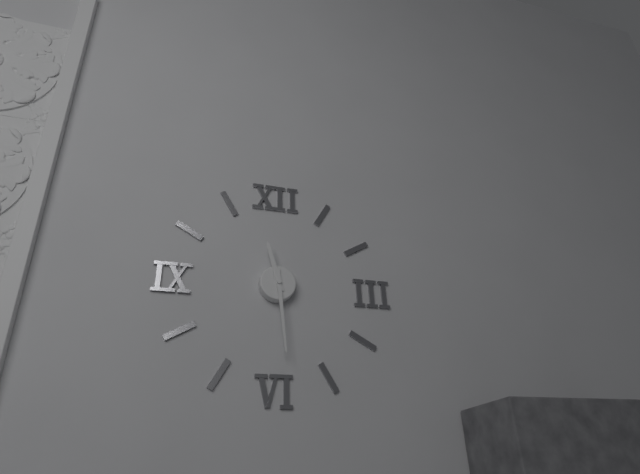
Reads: 11:29
